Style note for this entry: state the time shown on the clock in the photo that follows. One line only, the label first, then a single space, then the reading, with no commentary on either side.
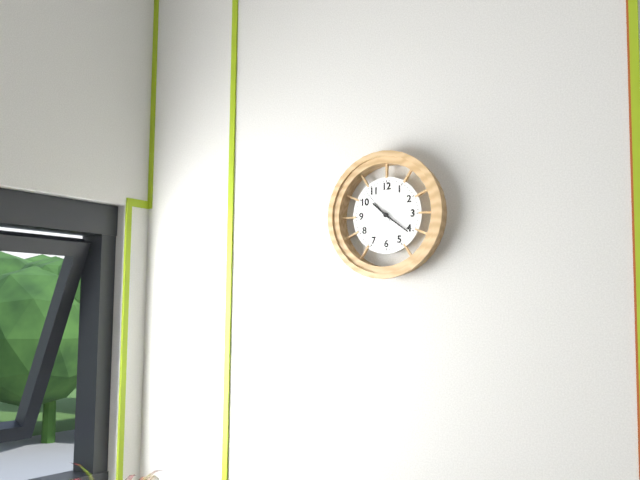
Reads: 10:21
